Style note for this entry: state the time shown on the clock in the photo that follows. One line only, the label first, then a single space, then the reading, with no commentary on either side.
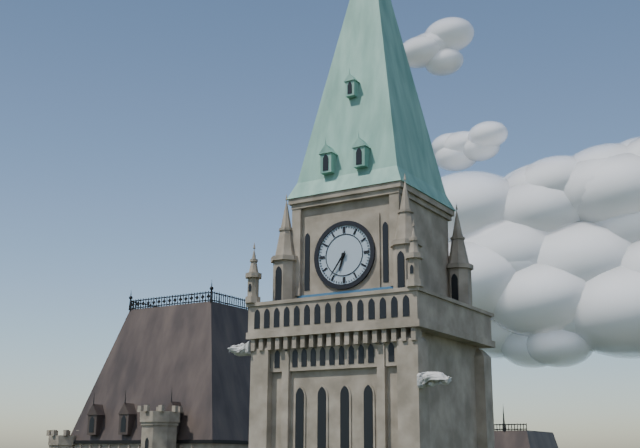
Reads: 6:36
